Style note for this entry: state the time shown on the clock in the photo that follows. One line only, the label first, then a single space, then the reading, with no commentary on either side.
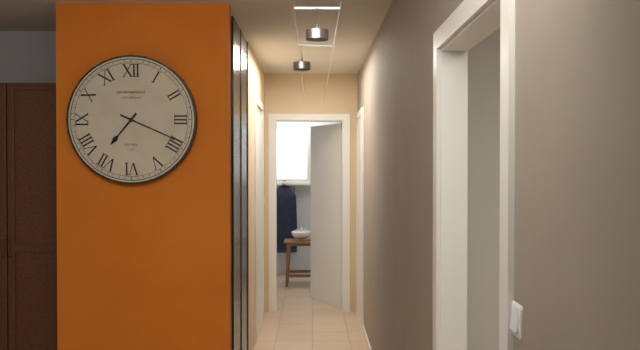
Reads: 7:19
